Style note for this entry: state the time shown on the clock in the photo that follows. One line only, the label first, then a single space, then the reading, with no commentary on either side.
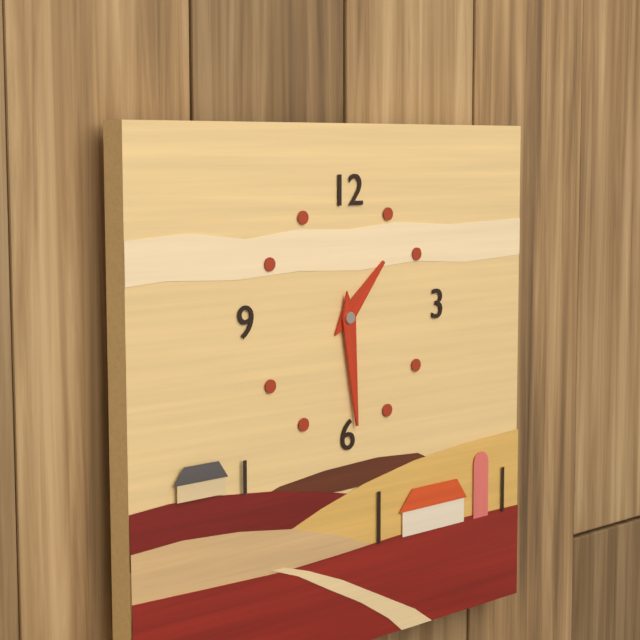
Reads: 1:29
